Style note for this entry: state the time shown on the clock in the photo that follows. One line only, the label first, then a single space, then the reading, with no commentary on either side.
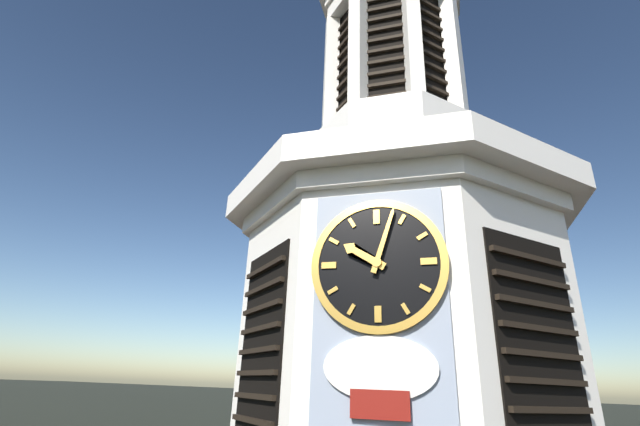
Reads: 10:03
